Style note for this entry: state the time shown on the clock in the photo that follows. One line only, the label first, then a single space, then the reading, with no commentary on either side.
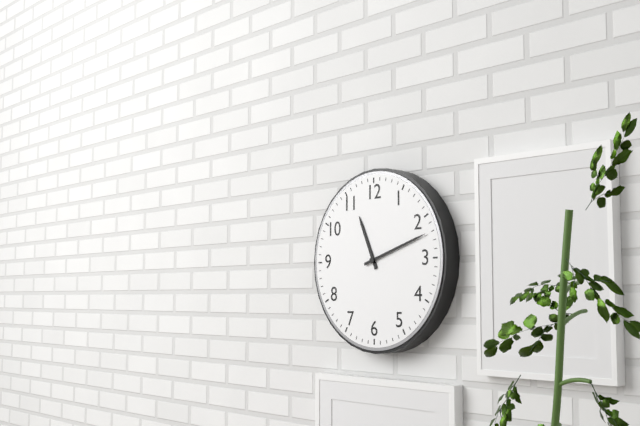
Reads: 11:12
